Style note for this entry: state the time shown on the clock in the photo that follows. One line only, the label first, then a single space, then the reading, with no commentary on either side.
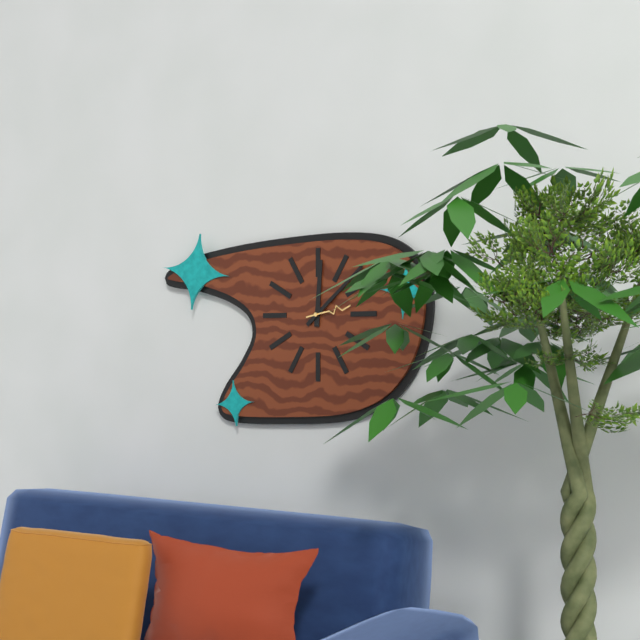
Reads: 12:08
